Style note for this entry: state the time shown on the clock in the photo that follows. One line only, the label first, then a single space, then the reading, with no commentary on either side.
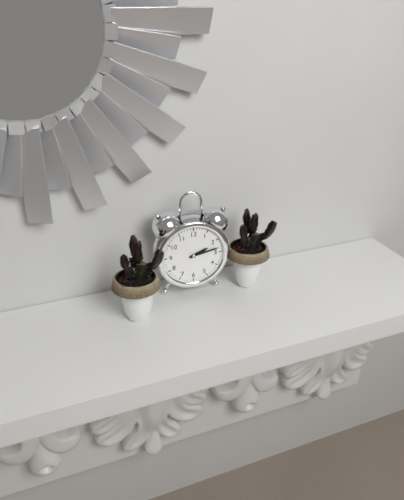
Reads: 2:13
